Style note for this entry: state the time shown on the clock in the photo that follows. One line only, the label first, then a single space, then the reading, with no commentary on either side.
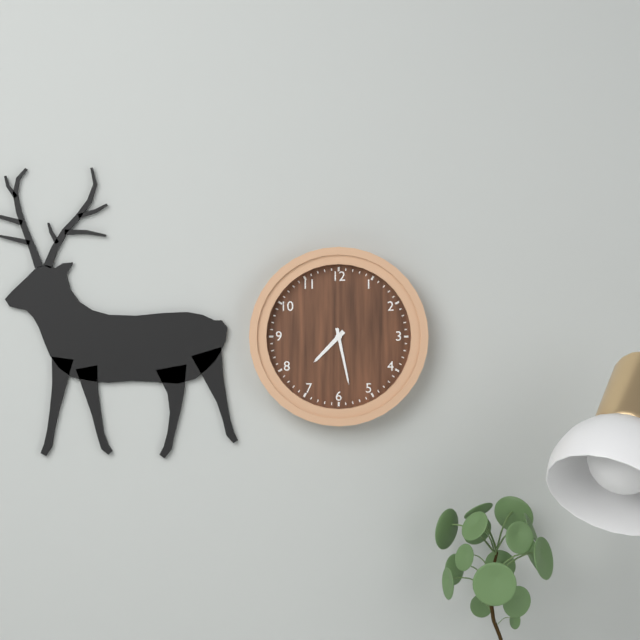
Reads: 7:28
